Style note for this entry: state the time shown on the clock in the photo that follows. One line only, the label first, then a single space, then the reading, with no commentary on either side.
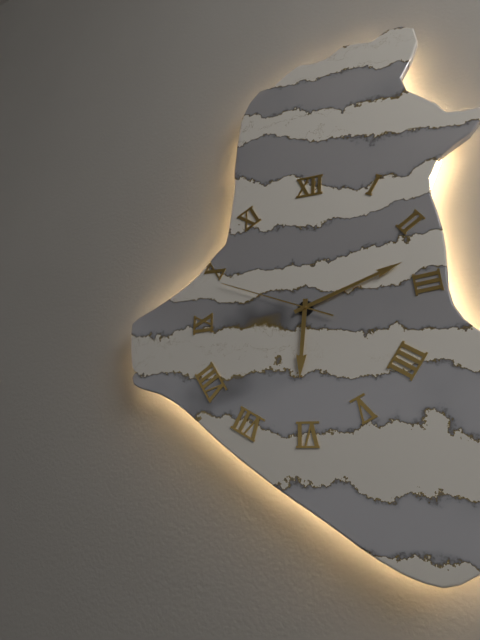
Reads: 6:12:49
